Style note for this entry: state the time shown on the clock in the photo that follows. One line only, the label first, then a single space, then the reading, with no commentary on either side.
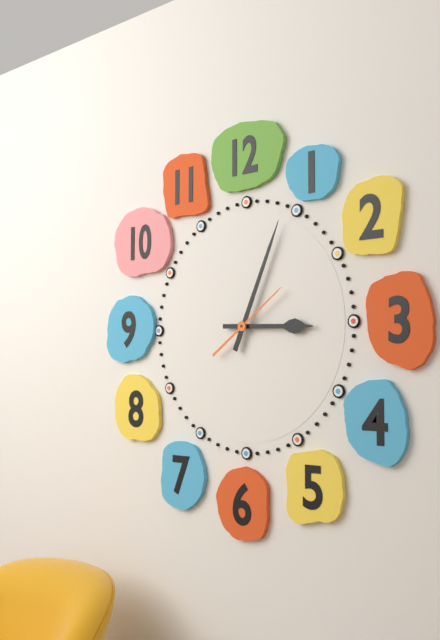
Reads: 3:04:09
